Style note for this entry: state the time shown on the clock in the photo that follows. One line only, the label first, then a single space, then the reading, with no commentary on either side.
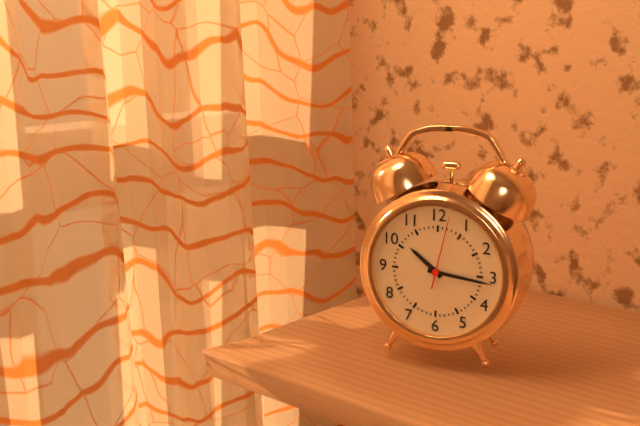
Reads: 10:16:02
